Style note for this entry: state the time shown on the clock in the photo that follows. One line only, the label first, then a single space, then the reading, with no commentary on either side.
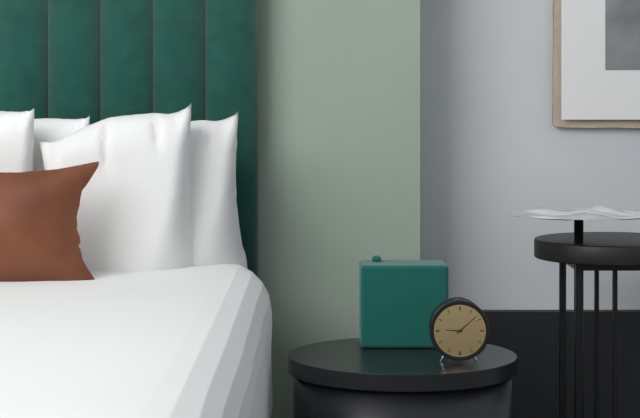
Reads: 9:08
